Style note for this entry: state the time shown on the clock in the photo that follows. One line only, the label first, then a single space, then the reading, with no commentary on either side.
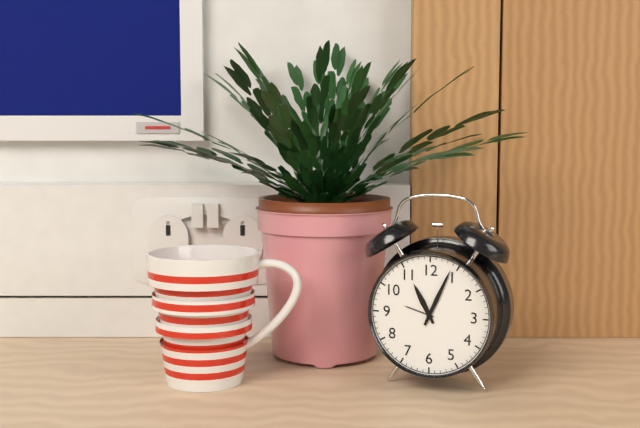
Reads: 11:04
